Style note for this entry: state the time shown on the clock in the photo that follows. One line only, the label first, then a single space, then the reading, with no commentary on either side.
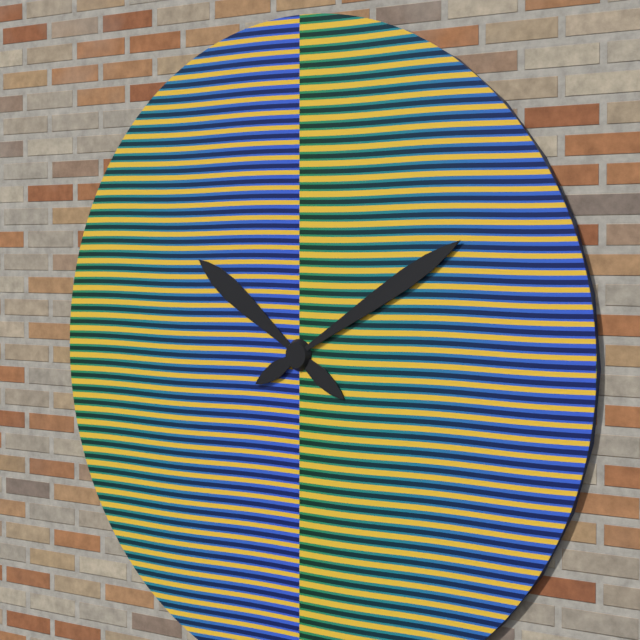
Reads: 10:10
